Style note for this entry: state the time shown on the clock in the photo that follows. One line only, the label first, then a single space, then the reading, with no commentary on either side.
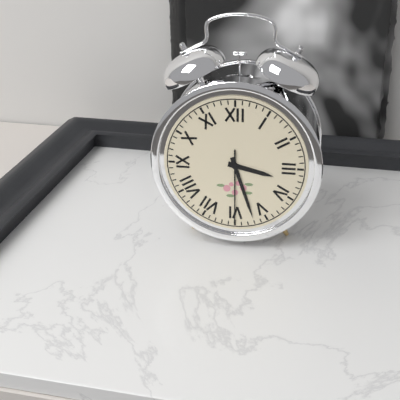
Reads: 3:27:30
